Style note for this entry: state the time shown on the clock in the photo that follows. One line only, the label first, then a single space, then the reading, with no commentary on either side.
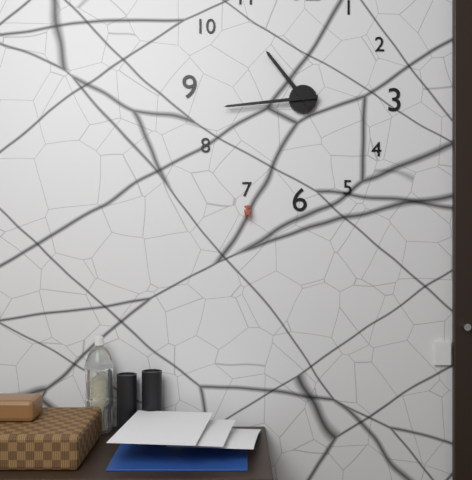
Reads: 10:44
